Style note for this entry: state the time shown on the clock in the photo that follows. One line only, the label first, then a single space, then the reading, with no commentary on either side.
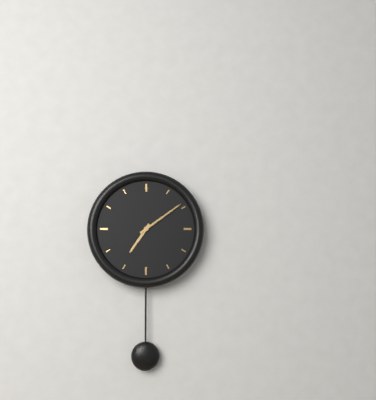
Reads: 7:09
